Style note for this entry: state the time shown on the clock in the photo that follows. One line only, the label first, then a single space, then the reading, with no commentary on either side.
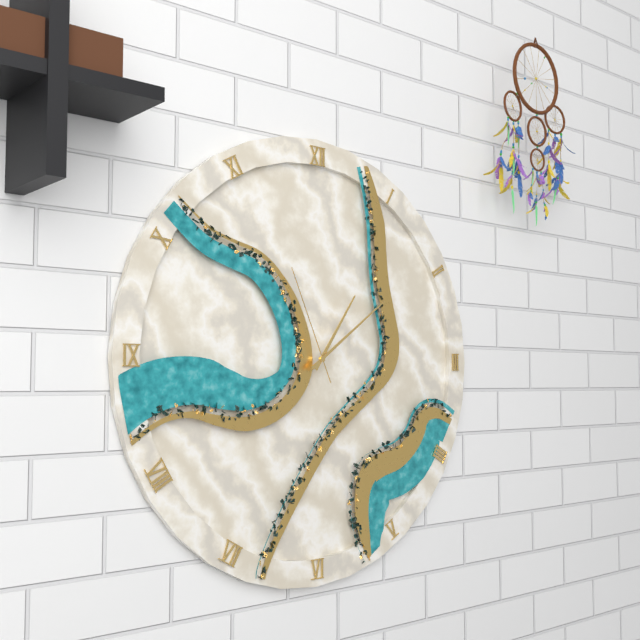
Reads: 1:09:56
